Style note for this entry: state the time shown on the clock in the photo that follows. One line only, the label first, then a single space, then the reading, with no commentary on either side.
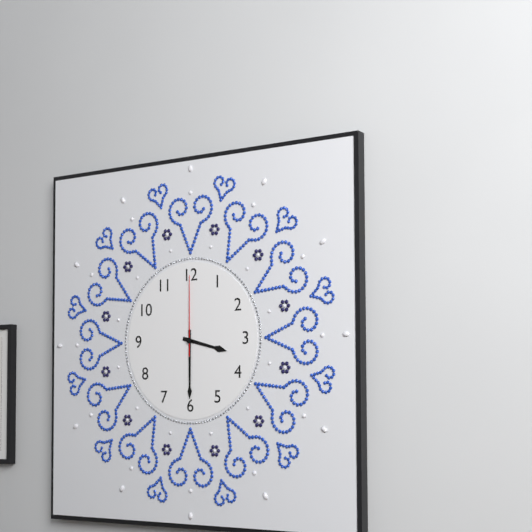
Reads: 3:30:00
